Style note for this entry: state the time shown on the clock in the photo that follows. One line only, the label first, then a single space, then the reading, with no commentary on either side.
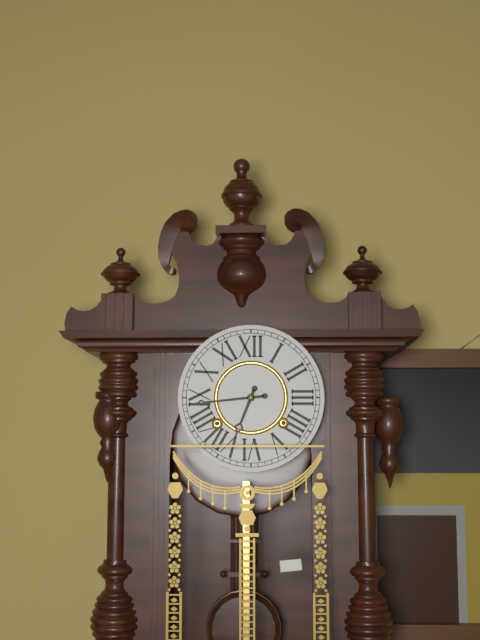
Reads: 6:44
